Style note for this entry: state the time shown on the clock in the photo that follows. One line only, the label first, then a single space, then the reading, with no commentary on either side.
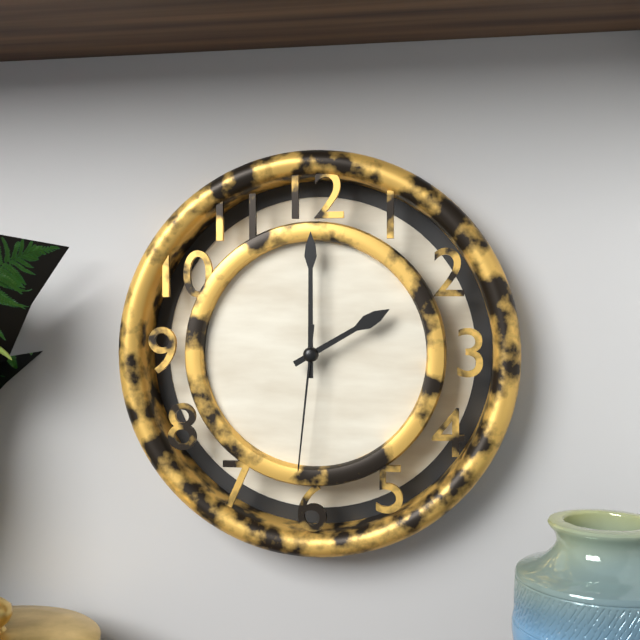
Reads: 2:00:31
